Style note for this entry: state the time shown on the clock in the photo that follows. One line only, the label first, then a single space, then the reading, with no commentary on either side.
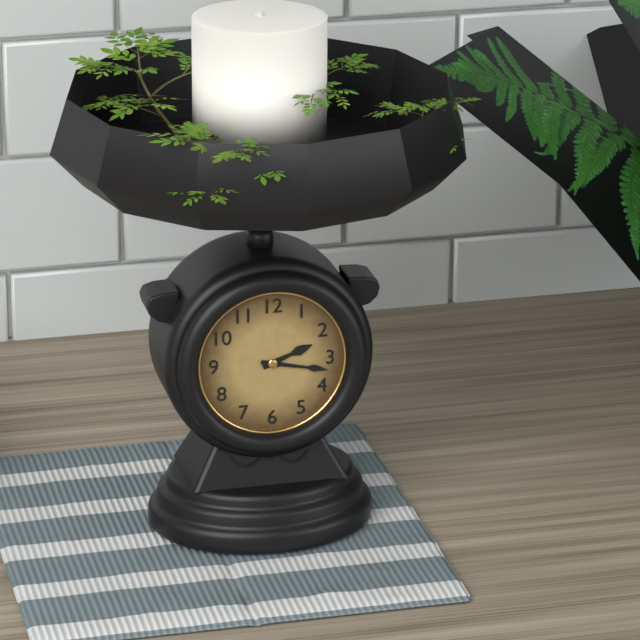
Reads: 2:17
